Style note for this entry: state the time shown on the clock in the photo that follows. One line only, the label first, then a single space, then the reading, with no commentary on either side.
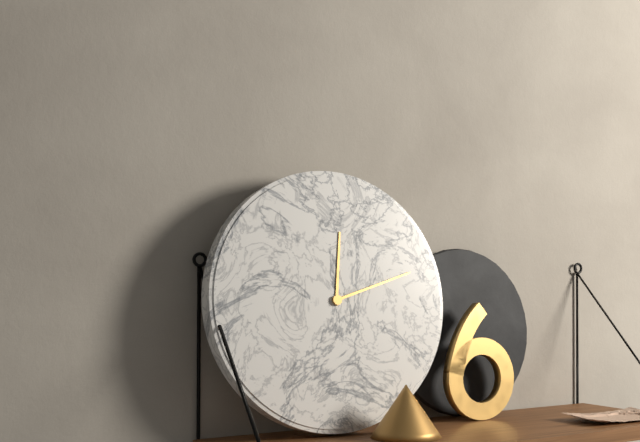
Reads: 12:12
